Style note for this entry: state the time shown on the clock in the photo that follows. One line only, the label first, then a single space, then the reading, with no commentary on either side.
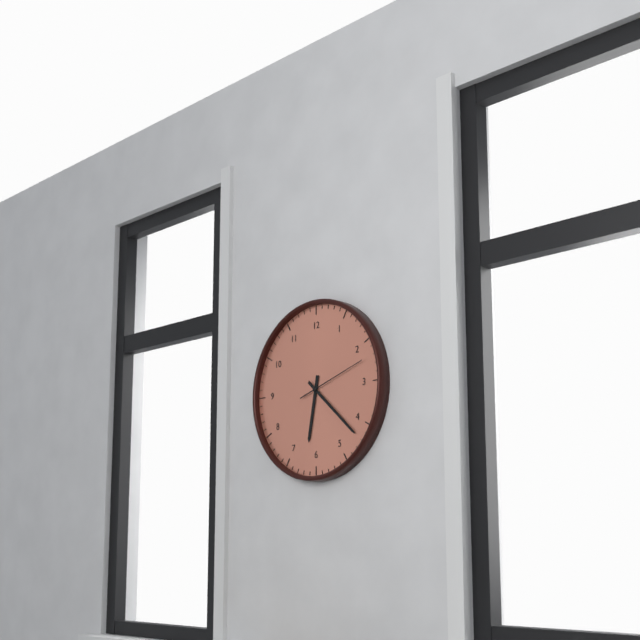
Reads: 6:22:12
